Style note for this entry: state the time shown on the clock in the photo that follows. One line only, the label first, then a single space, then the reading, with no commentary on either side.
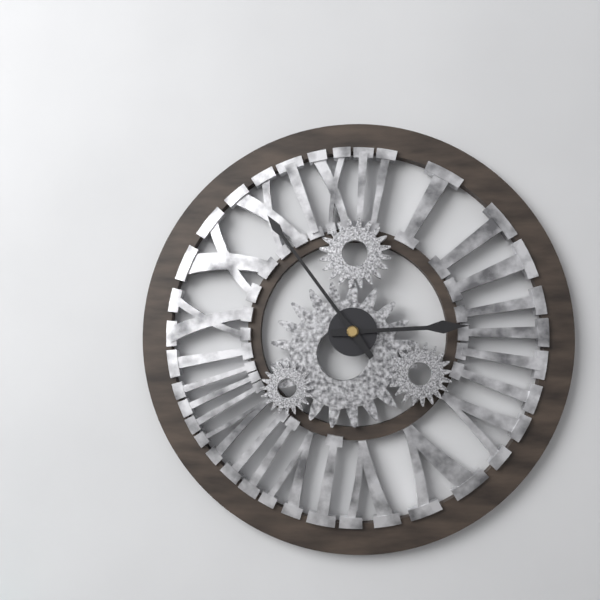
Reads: 2:54
